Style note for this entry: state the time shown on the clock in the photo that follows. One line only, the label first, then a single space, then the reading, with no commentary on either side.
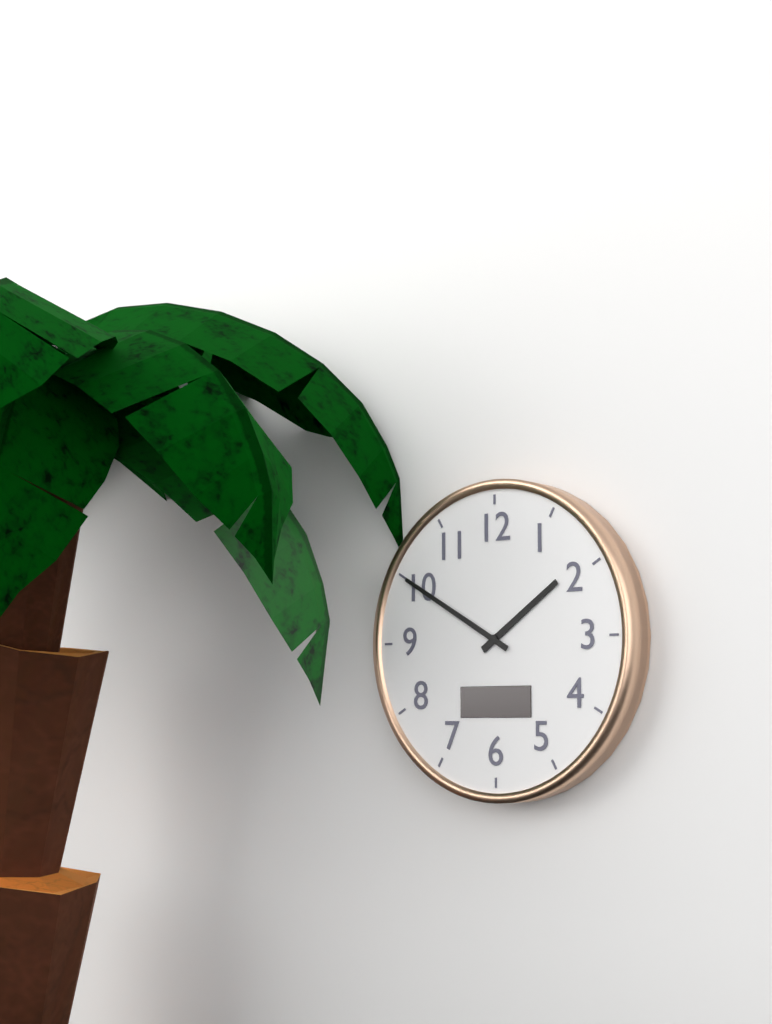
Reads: 1:50
